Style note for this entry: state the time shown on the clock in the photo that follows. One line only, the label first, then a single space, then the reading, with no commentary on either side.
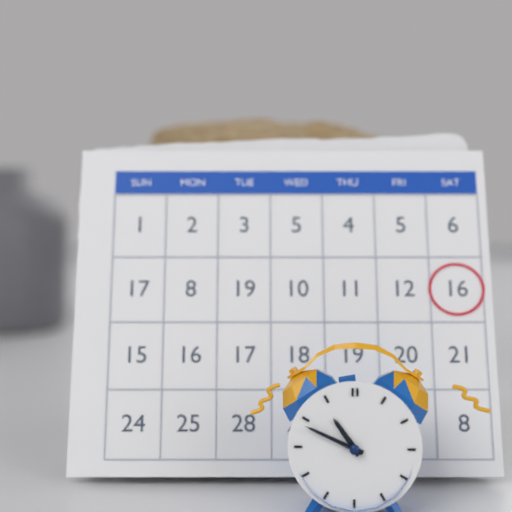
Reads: 10:49
